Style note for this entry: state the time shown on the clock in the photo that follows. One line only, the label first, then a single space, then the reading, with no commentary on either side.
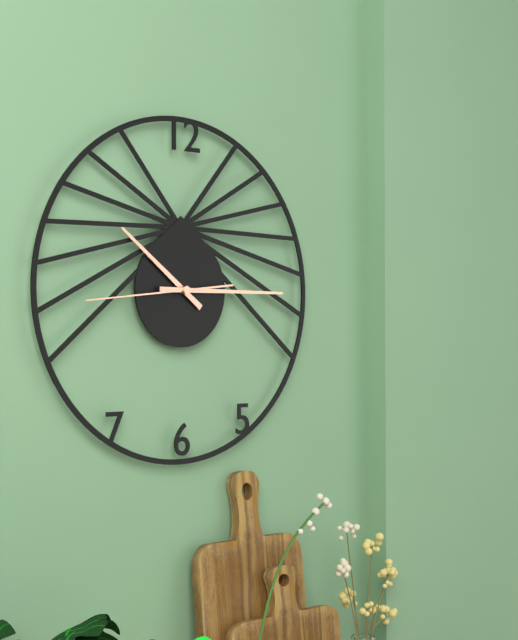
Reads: 10:15:44
